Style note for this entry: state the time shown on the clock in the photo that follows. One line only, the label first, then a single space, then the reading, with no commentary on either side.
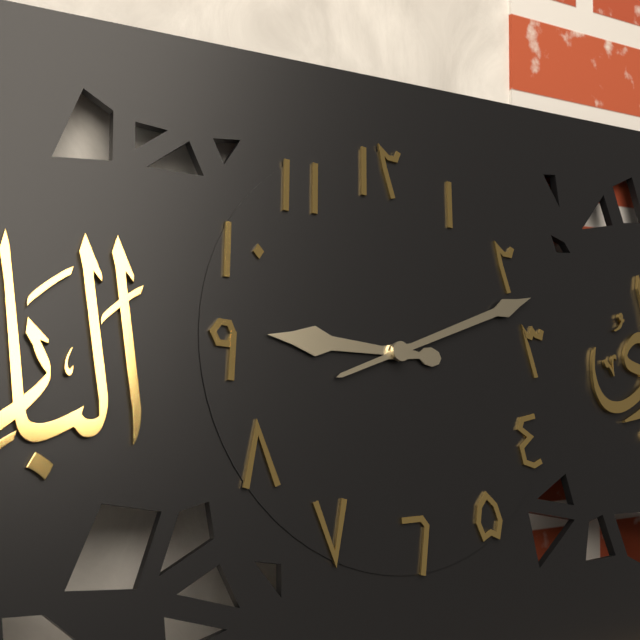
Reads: 9:12
